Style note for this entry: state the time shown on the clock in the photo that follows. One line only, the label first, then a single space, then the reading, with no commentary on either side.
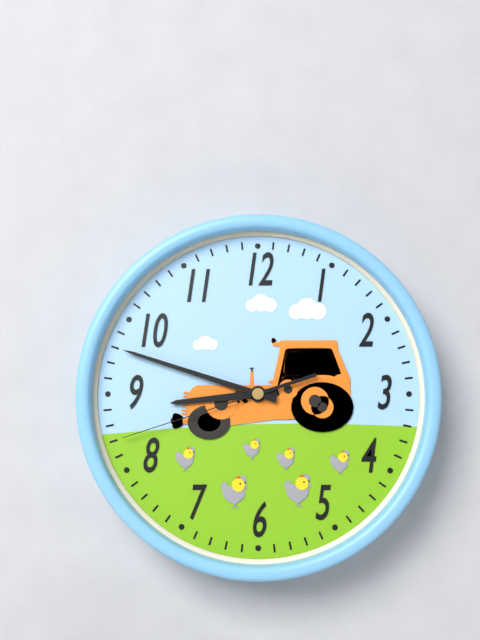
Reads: 8:48:42
